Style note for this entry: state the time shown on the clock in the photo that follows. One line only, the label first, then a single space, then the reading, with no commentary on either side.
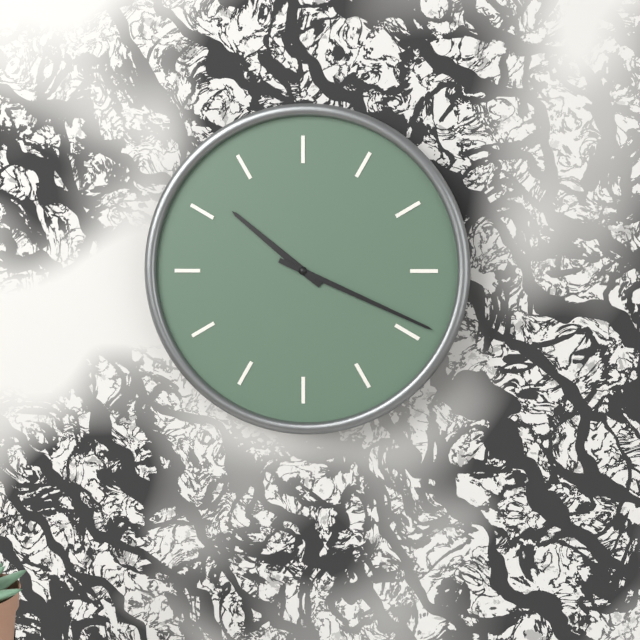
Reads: 10:19
